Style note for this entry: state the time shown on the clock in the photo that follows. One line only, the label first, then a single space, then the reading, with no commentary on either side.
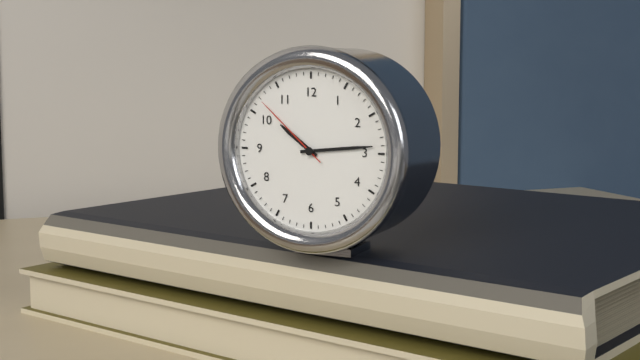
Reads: 10:14:52
